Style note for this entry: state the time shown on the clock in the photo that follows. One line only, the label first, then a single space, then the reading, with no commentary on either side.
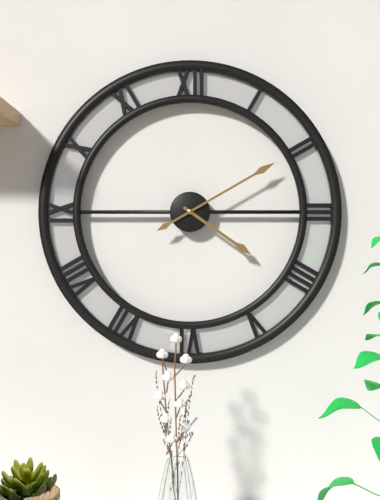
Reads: 4:10
